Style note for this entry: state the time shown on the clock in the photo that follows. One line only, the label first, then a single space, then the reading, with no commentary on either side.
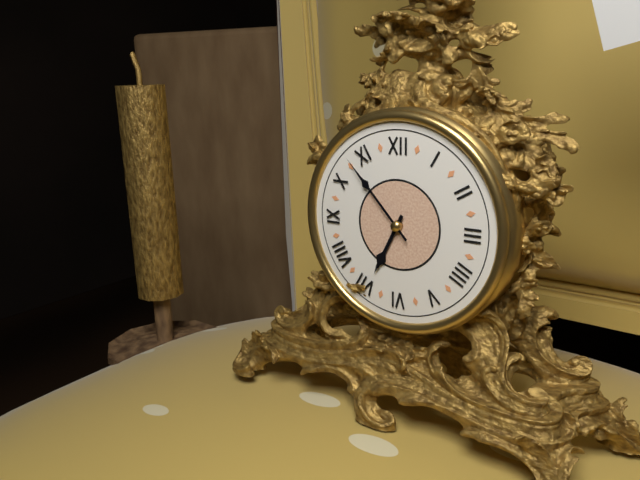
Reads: 6:53
